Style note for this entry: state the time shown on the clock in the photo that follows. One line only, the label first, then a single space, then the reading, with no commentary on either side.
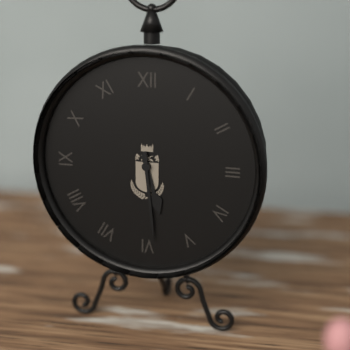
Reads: 5:29
